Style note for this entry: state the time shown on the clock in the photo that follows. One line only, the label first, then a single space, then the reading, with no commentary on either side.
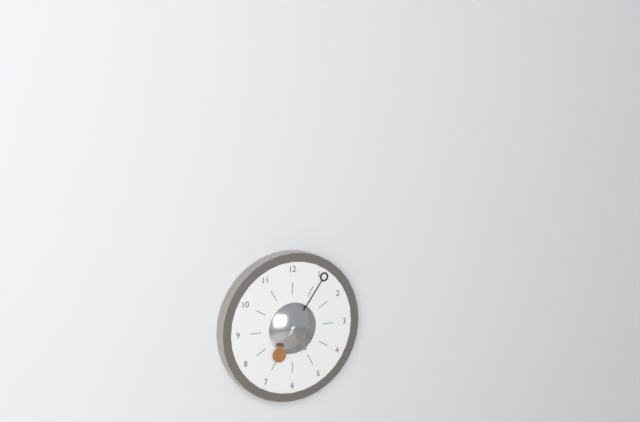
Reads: 7:06
